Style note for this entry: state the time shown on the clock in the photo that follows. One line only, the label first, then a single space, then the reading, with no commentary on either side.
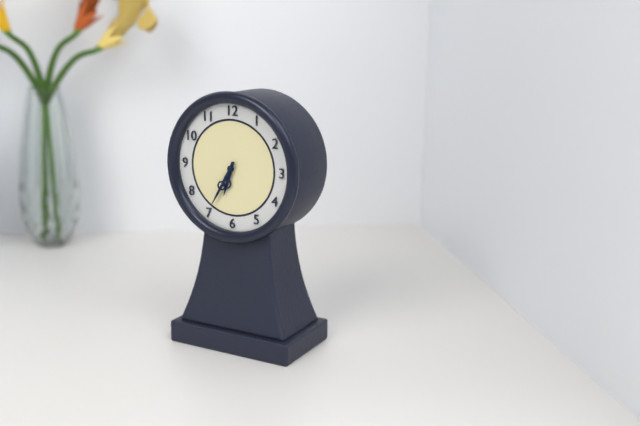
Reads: 6:35
